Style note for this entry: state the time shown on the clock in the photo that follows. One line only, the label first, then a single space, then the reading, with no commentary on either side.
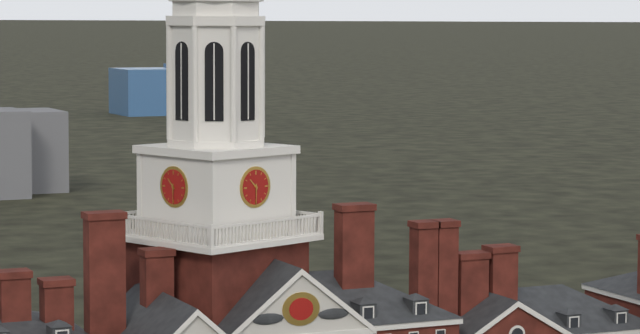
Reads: 10:30
